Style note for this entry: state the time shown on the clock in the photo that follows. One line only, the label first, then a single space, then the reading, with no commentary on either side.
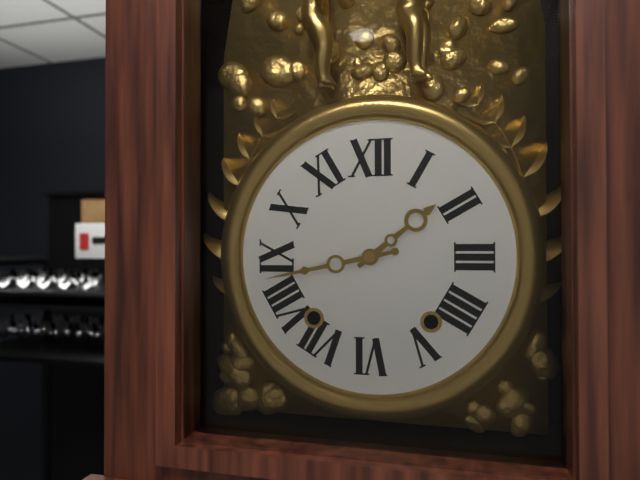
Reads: 1:43
